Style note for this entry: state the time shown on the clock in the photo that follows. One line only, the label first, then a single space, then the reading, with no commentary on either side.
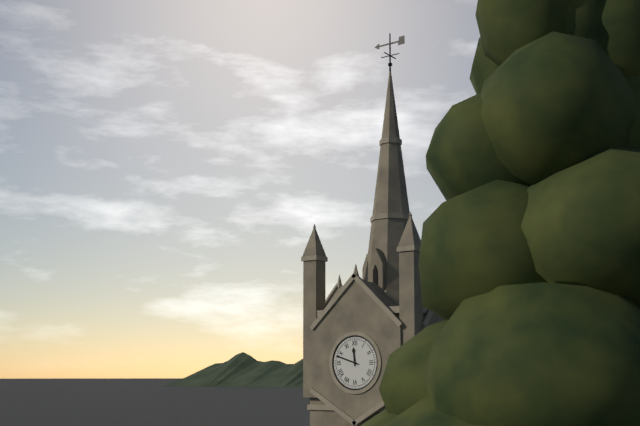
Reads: 11:48
